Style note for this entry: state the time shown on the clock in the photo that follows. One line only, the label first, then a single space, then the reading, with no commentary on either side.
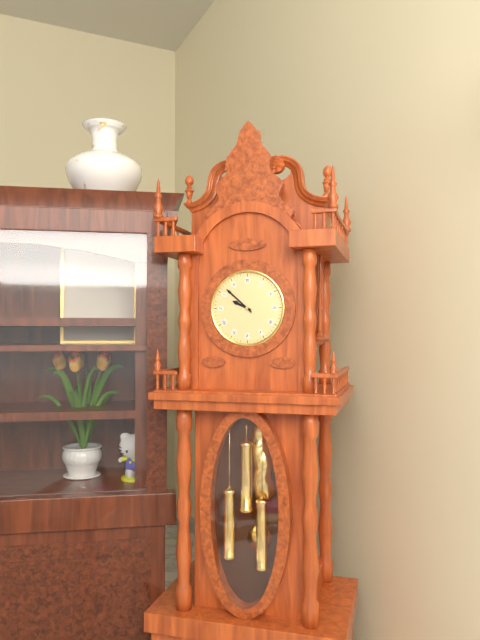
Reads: 9:52
